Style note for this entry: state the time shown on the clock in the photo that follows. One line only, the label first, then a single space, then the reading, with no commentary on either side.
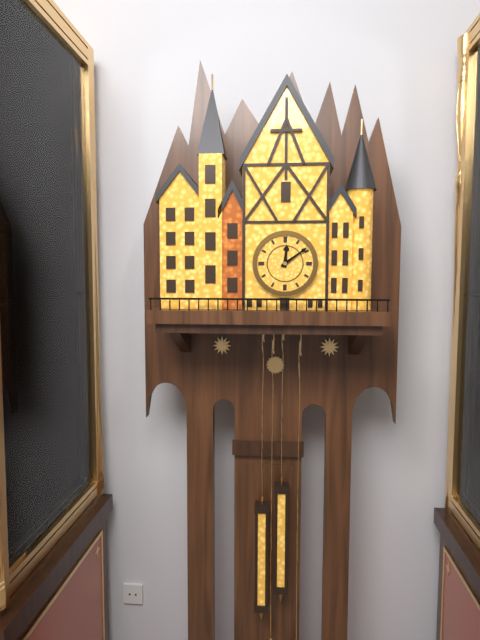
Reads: 12:09
